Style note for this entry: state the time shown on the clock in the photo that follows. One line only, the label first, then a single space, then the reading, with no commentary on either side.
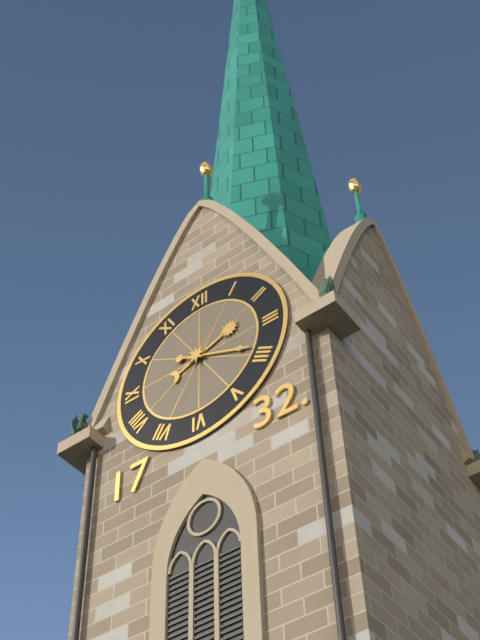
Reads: 2:19
